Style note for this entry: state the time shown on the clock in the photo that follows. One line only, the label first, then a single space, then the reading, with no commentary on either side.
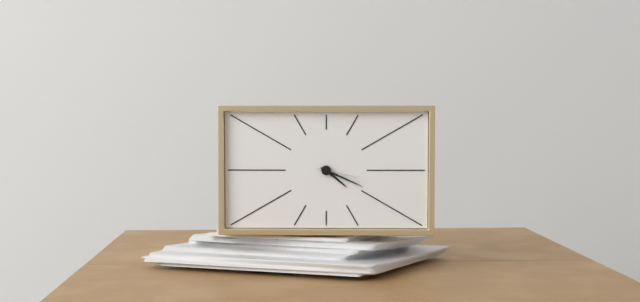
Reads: 4:19
